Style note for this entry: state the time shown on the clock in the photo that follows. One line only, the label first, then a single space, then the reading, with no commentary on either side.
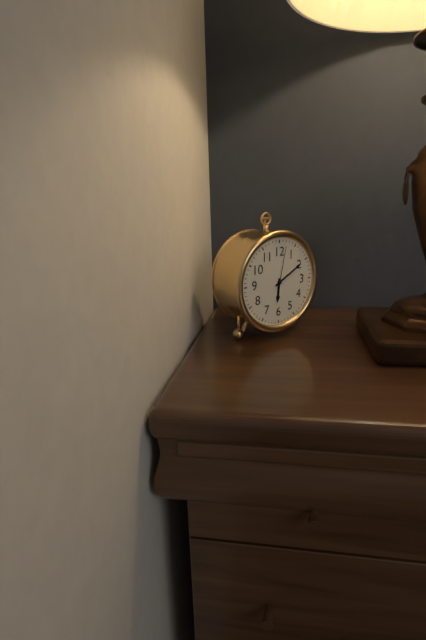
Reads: 6:10
